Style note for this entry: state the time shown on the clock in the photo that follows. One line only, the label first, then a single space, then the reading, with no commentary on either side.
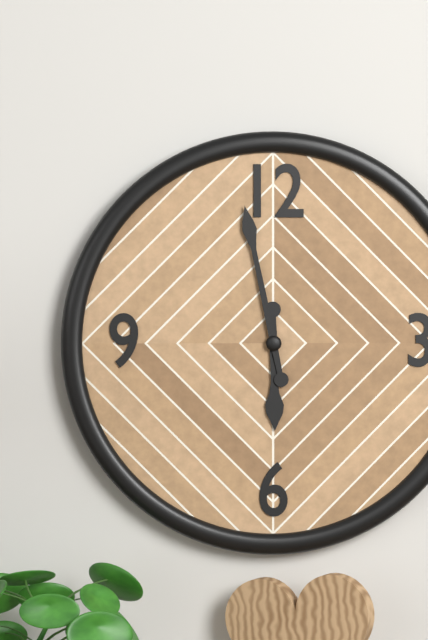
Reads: 5:58
